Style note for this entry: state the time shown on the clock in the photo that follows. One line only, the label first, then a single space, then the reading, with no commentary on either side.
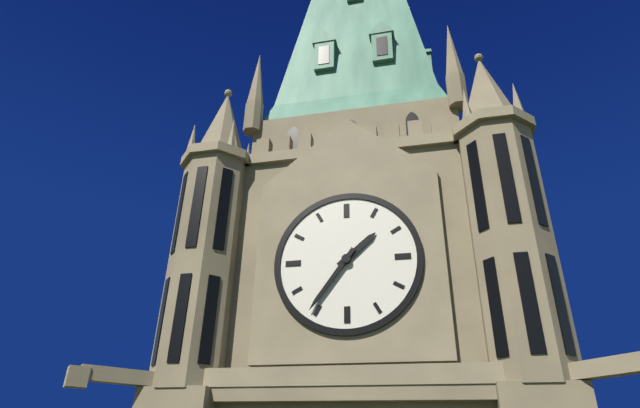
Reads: 1:36
